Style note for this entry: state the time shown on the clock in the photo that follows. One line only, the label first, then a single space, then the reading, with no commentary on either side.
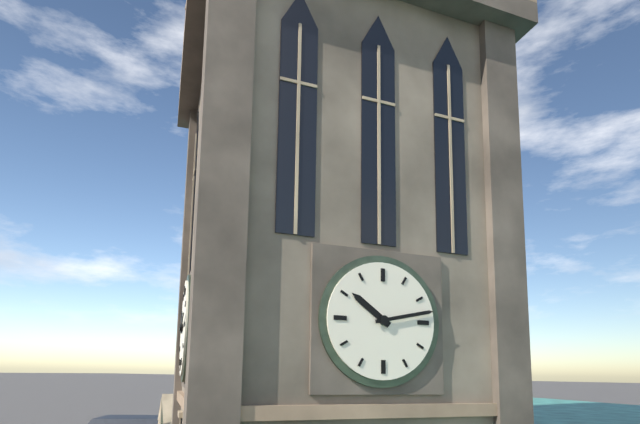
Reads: 10:13
